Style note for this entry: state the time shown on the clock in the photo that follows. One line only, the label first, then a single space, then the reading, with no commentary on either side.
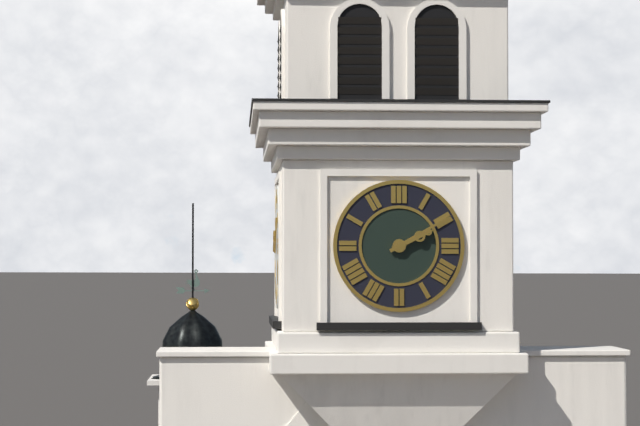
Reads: 2:10
